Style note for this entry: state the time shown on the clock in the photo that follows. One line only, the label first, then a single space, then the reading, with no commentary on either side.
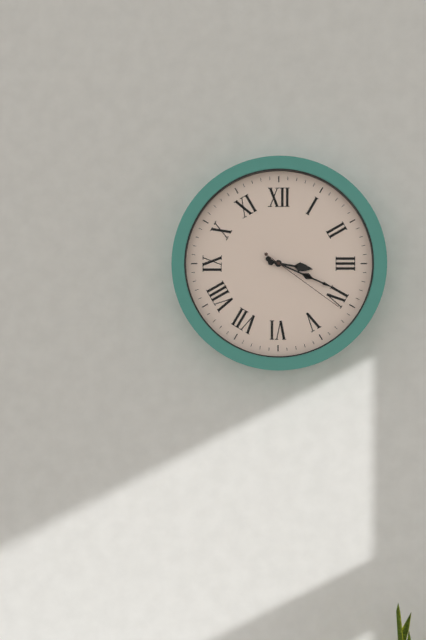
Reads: 3:19:21
